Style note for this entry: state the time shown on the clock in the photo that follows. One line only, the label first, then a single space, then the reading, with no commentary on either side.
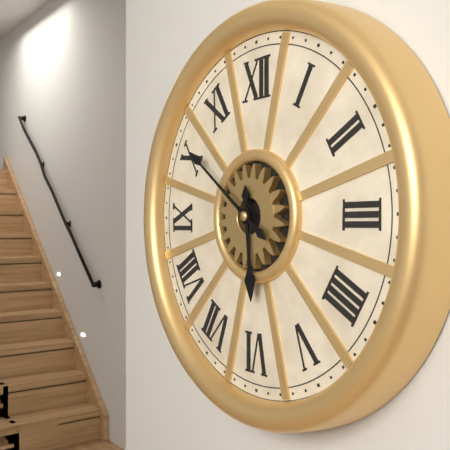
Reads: 5:51
